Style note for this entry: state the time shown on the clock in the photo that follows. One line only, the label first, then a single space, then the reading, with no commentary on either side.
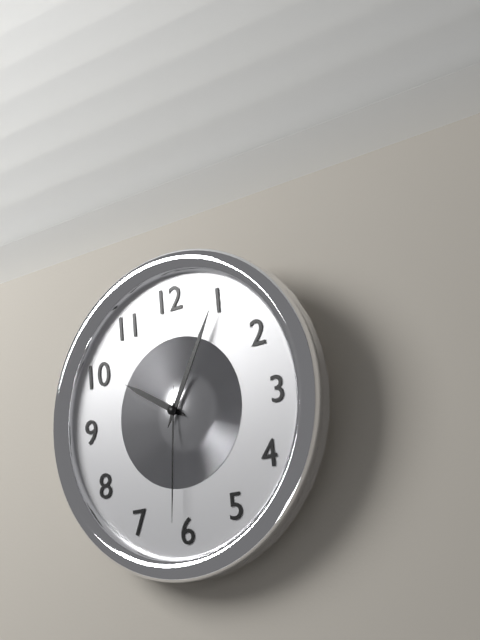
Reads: 10:05:31
